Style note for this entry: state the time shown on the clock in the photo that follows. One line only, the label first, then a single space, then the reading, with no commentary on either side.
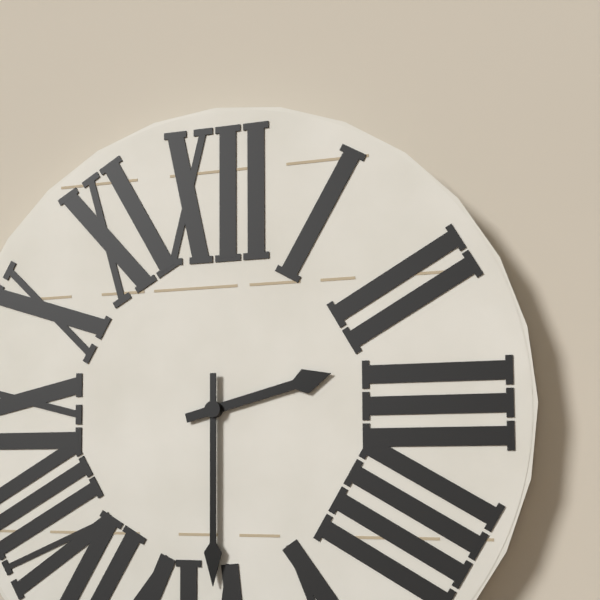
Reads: 2:30
